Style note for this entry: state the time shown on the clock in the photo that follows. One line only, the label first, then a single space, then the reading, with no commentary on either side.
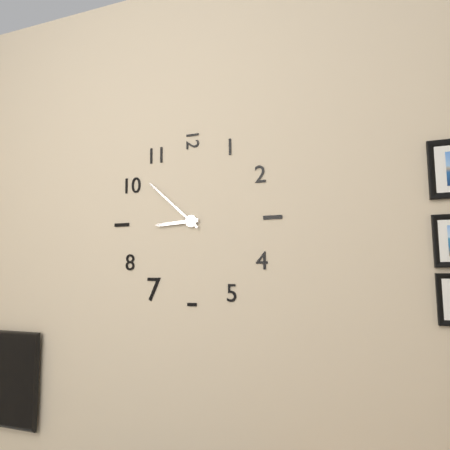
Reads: 8:52
